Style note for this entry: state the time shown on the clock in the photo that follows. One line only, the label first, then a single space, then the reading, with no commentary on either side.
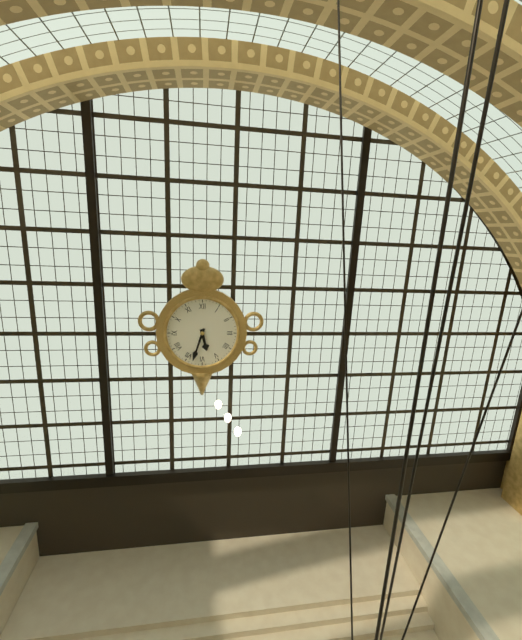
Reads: 5:33
